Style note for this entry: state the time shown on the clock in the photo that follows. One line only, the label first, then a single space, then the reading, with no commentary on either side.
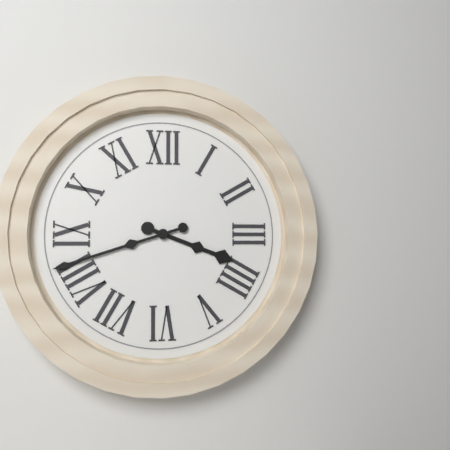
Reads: 3:42
